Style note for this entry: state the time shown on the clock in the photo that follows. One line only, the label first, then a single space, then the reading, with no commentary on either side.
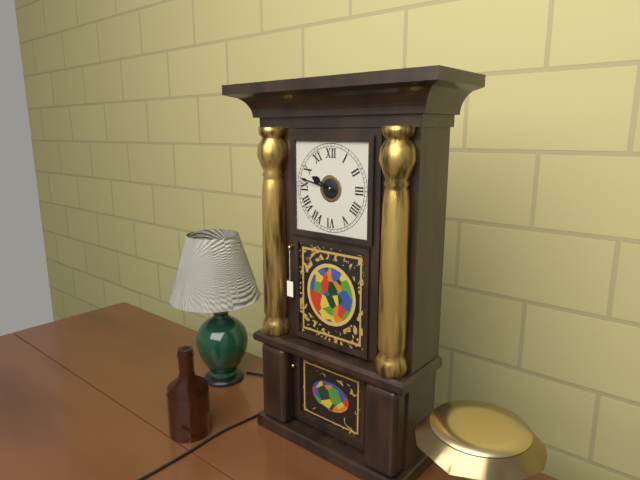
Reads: 9:47
